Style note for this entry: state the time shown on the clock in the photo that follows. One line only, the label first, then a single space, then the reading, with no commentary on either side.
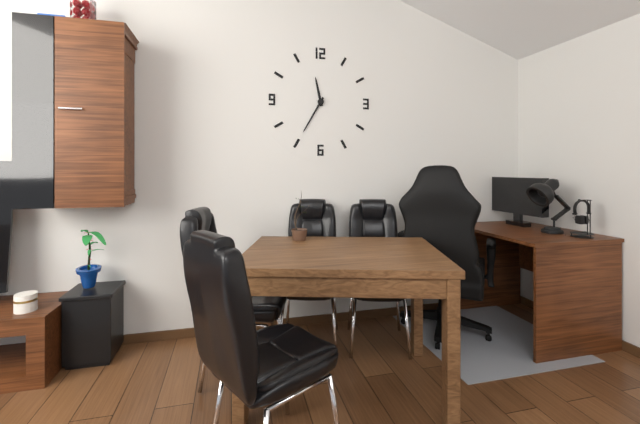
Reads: 11:35
